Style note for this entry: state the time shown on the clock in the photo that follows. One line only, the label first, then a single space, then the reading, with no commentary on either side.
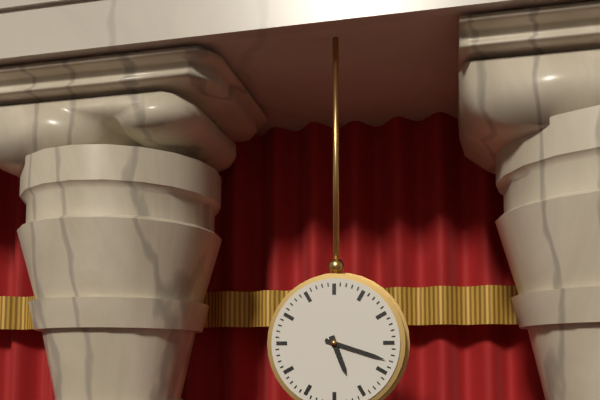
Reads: 5:18
